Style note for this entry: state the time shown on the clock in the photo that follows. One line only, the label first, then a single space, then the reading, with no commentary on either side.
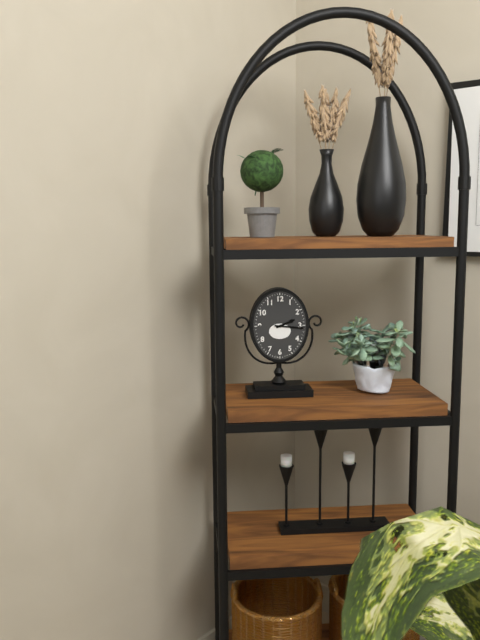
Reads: 2:16
